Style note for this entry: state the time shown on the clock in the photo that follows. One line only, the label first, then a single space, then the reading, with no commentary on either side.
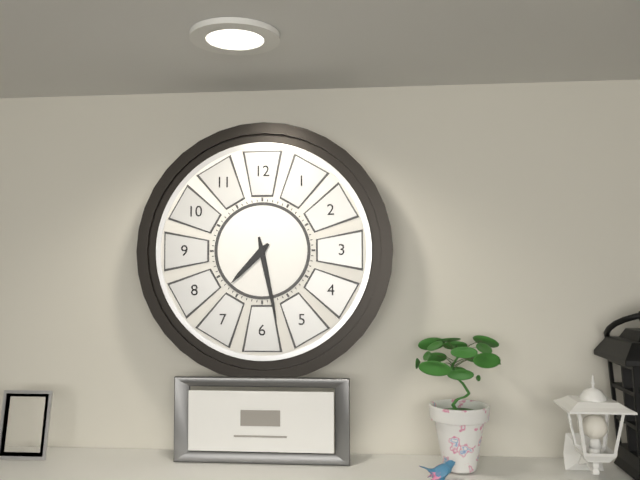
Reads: 7:28
